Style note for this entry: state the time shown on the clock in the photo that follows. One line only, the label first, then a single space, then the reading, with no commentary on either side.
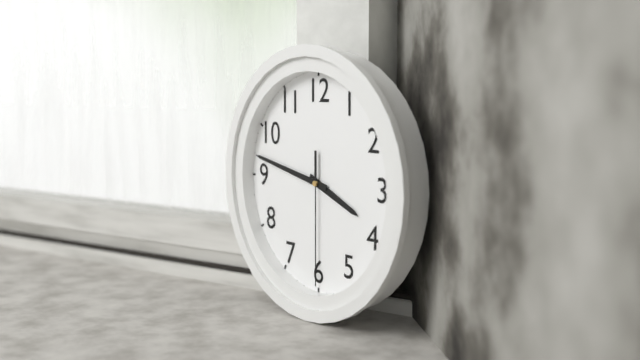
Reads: 3:47:30
